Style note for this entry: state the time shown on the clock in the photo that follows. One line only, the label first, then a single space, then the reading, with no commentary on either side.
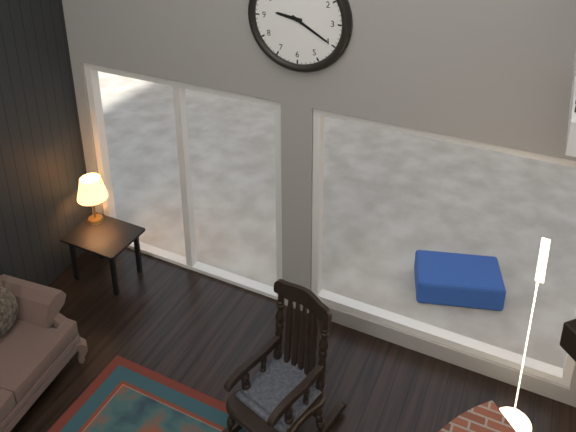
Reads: 9:20
